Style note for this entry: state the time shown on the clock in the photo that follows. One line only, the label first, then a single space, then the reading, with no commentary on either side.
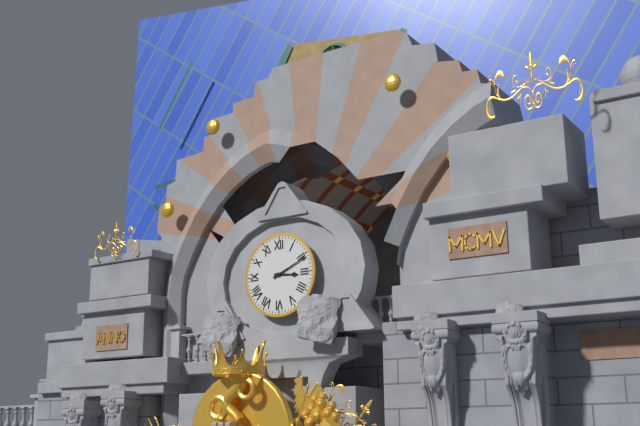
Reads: 3:11
